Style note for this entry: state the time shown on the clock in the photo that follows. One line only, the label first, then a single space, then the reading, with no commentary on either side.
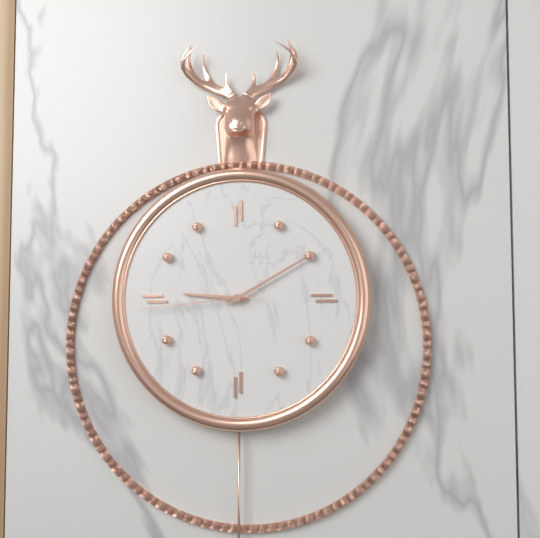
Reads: 9:10:44
